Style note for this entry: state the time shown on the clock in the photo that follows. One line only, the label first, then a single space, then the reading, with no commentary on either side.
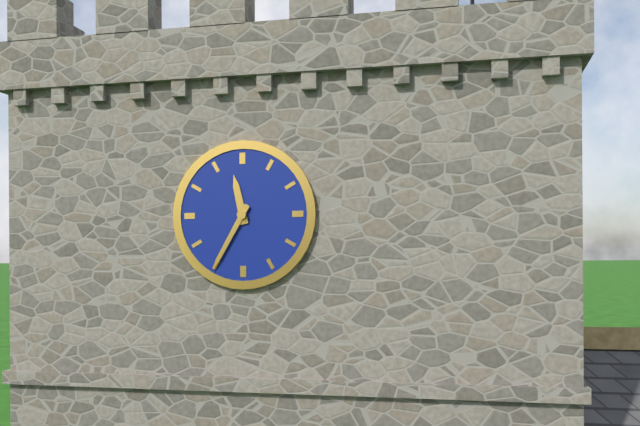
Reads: 11:35
